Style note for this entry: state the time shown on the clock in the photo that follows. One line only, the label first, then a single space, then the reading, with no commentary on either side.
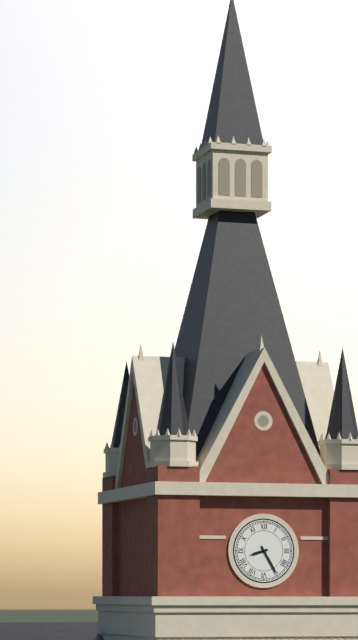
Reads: 8:25
